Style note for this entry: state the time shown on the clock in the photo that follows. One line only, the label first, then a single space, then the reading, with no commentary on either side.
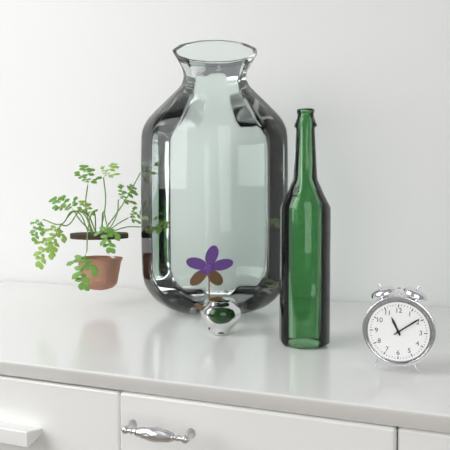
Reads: 11:09
